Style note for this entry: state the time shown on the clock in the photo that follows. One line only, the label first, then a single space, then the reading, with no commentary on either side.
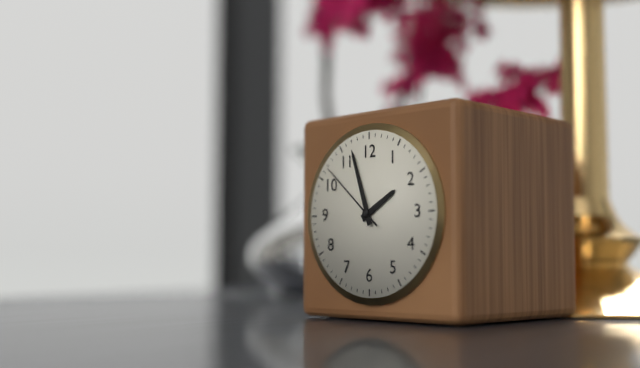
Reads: 1:57:52
